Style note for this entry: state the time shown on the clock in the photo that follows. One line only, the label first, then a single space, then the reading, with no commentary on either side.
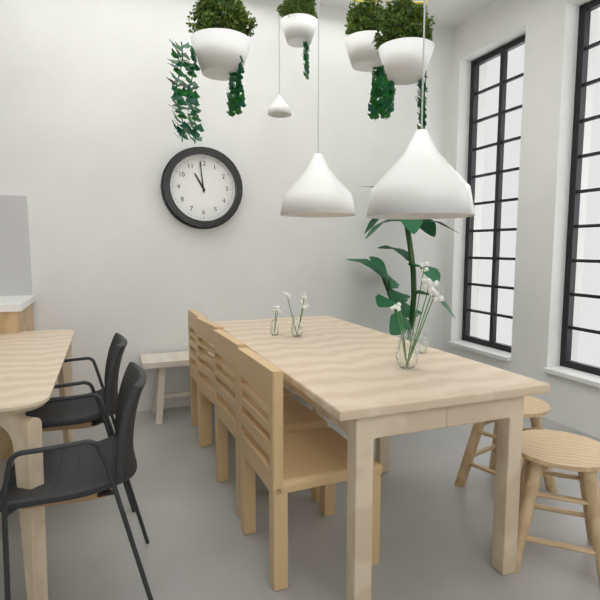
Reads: 10:59
